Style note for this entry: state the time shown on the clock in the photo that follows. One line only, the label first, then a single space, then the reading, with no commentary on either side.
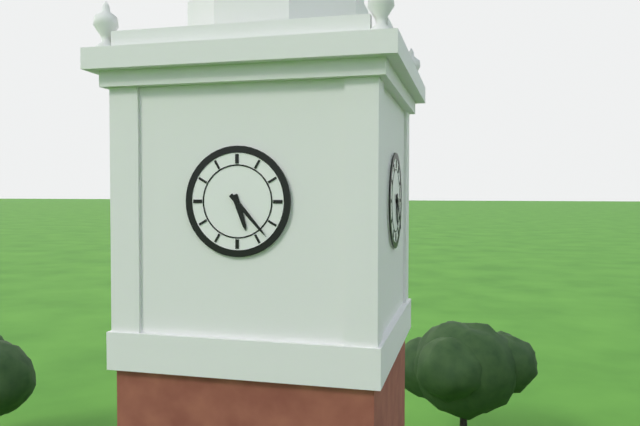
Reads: 5:23
